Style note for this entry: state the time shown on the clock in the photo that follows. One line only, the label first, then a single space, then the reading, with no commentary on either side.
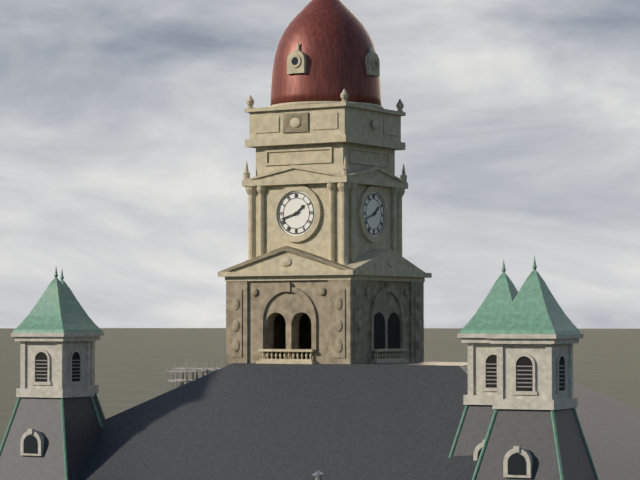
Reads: 1:42
